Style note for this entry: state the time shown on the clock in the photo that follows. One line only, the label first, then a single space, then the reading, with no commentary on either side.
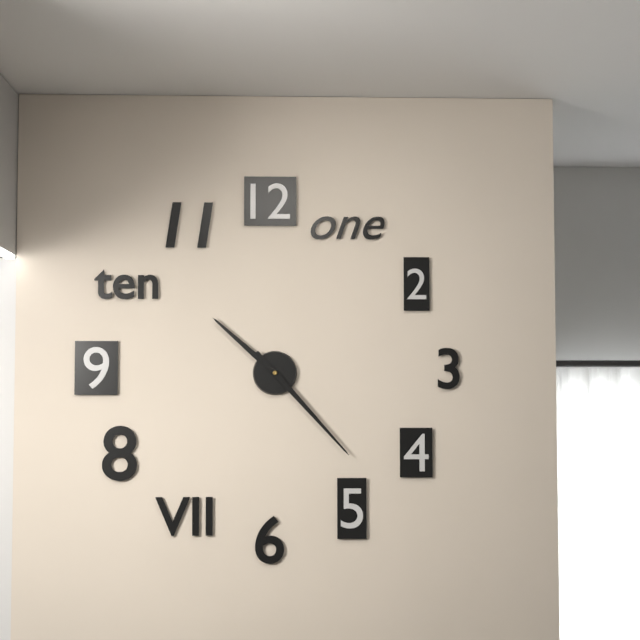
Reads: 10:23
